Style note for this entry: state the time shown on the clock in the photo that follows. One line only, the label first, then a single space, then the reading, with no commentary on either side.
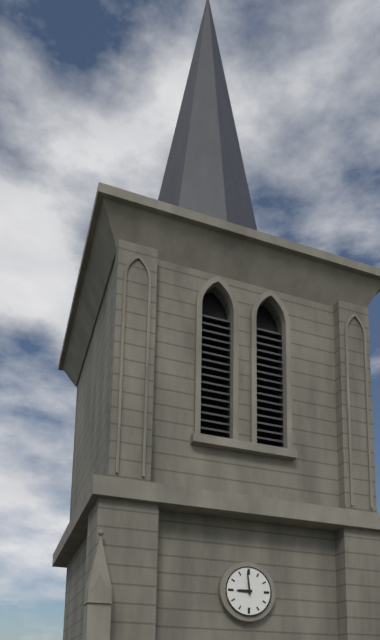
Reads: 8:59
